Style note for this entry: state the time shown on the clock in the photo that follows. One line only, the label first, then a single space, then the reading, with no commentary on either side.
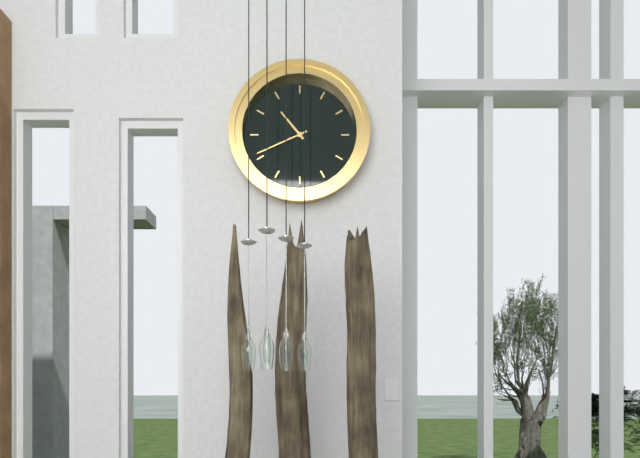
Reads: 10:41
